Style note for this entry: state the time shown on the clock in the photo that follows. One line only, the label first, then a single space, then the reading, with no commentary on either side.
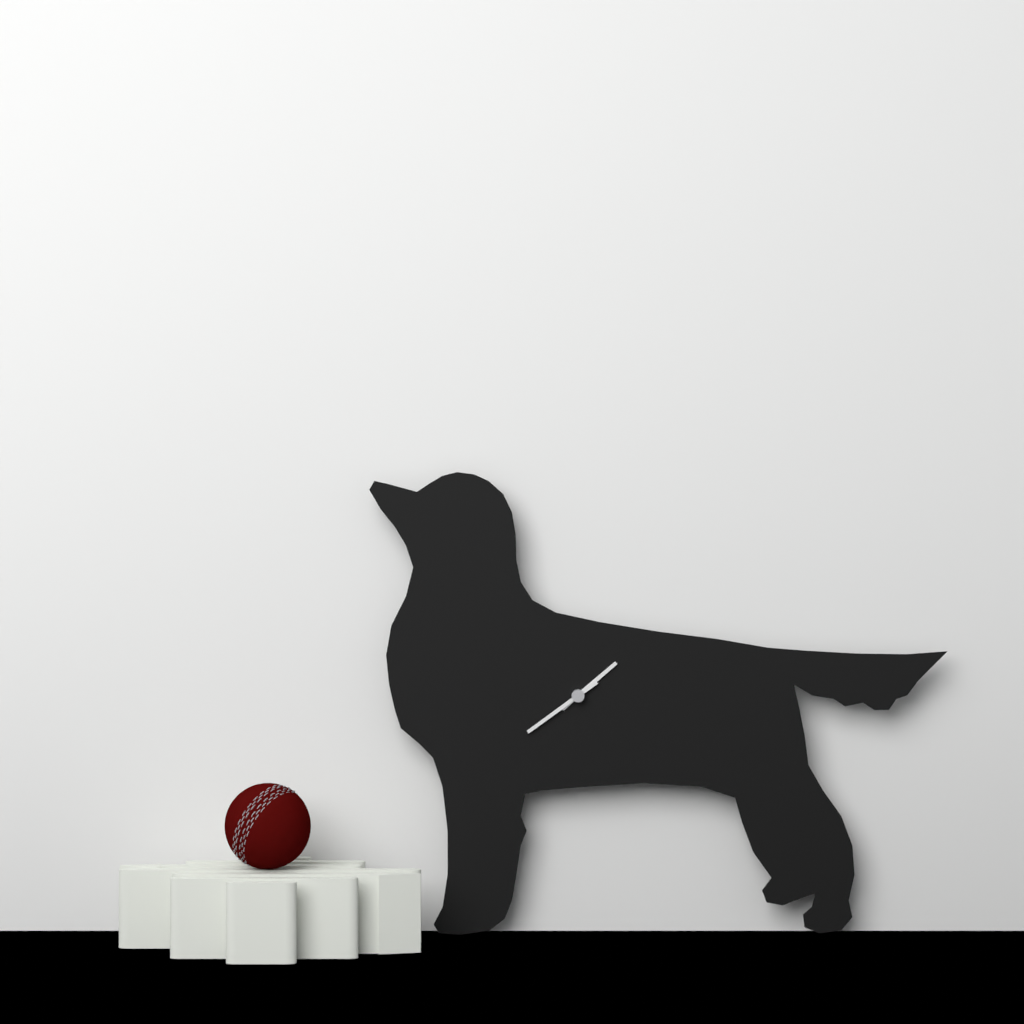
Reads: 1:39
